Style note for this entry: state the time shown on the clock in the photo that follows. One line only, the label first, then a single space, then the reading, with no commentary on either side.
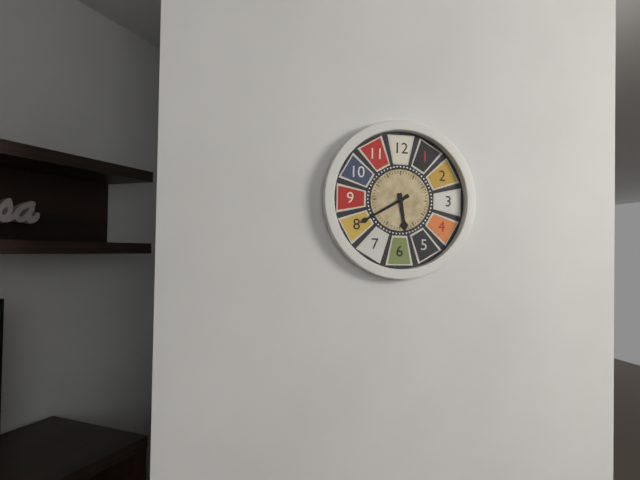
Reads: 5:40
